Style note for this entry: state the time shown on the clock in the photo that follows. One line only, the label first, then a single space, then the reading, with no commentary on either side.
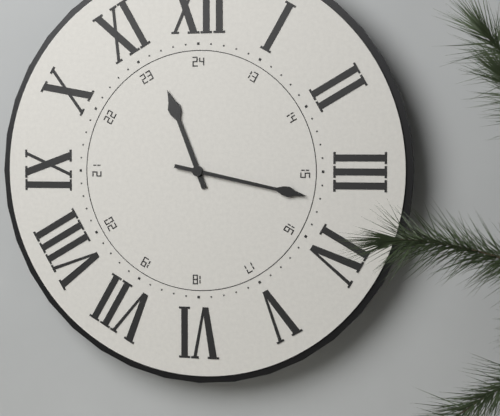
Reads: 11:17
